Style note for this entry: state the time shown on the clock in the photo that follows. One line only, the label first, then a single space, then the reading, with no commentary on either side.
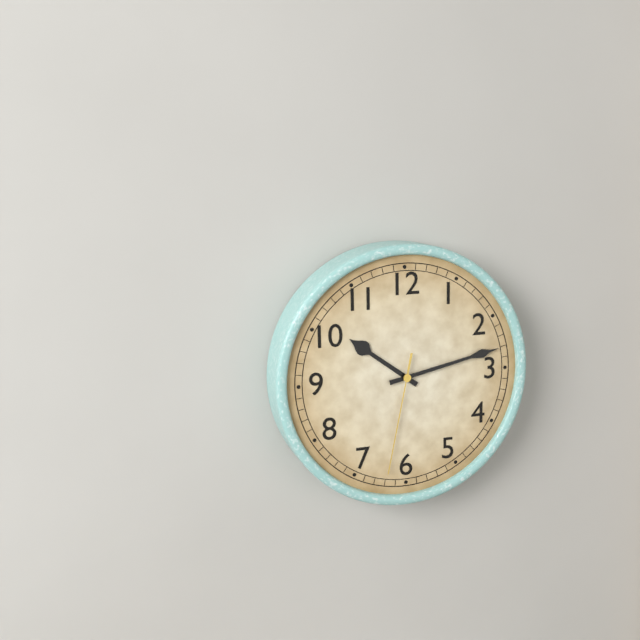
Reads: 10:13:32
